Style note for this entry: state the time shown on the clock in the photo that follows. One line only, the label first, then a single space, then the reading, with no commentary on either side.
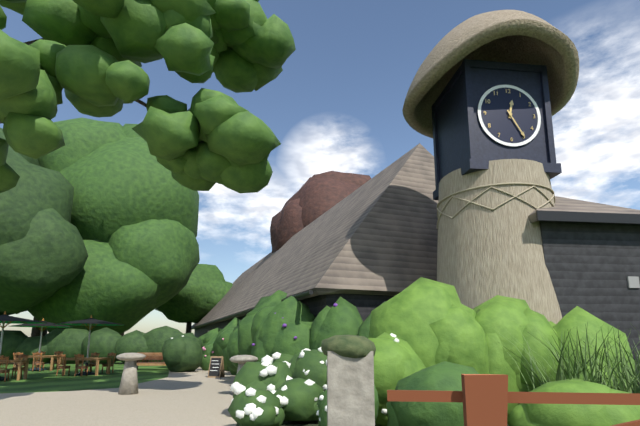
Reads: 12:25
